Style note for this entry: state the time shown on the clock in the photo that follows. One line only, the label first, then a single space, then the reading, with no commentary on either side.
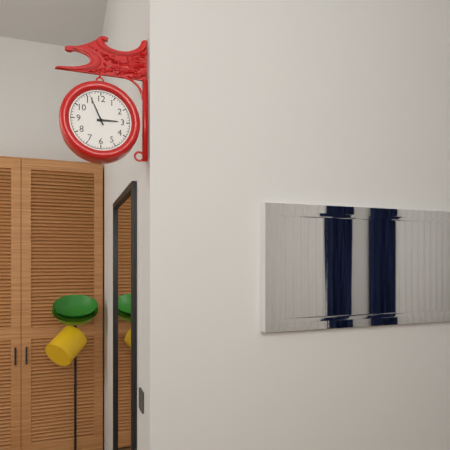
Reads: 2:56
